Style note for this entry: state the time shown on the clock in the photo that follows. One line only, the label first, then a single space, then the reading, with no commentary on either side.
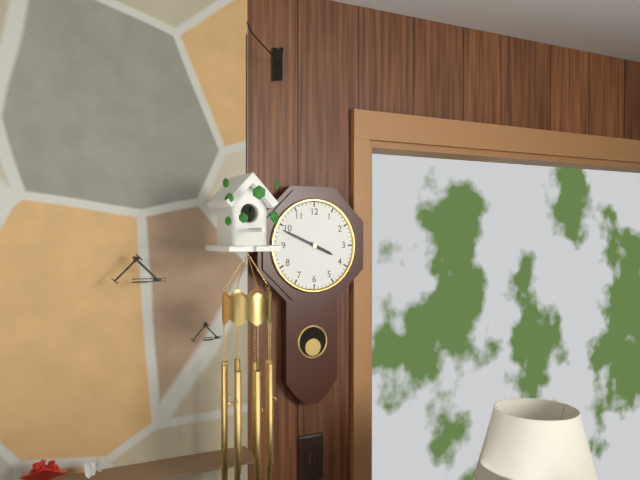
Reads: 3:49
